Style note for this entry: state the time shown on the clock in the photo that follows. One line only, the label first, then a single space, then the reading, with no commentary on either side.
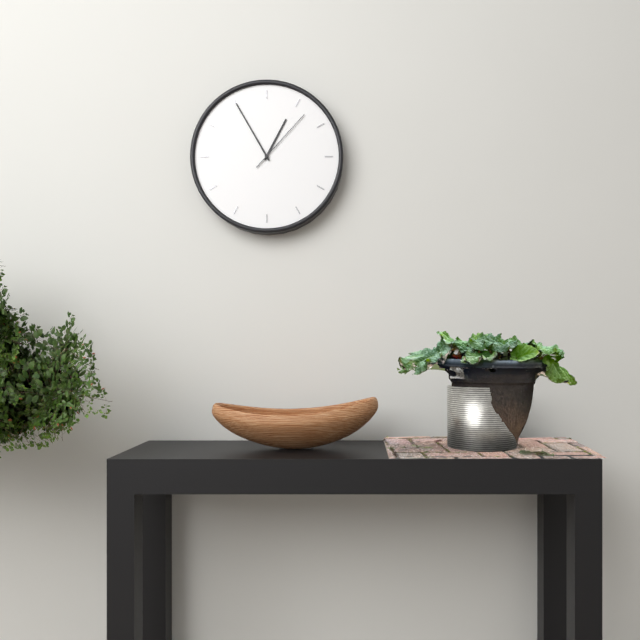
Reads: 12:55:07
